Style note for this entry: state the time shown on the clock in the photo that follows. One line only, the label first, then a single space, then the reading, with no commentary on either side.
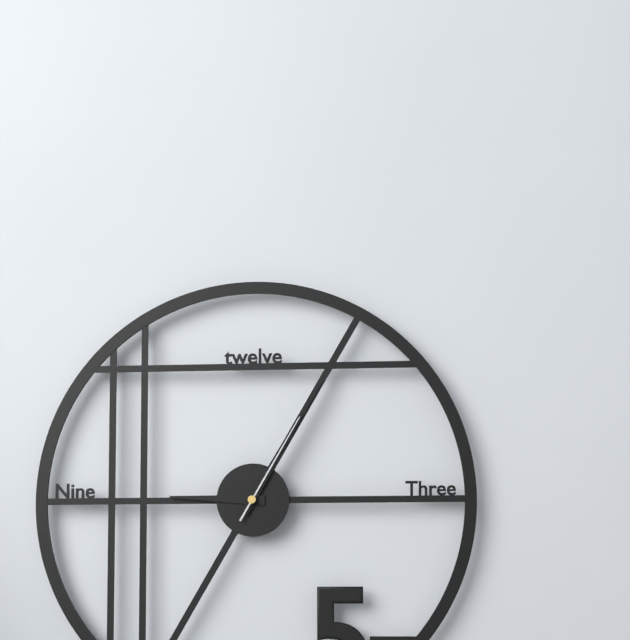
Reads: 9:05:05
